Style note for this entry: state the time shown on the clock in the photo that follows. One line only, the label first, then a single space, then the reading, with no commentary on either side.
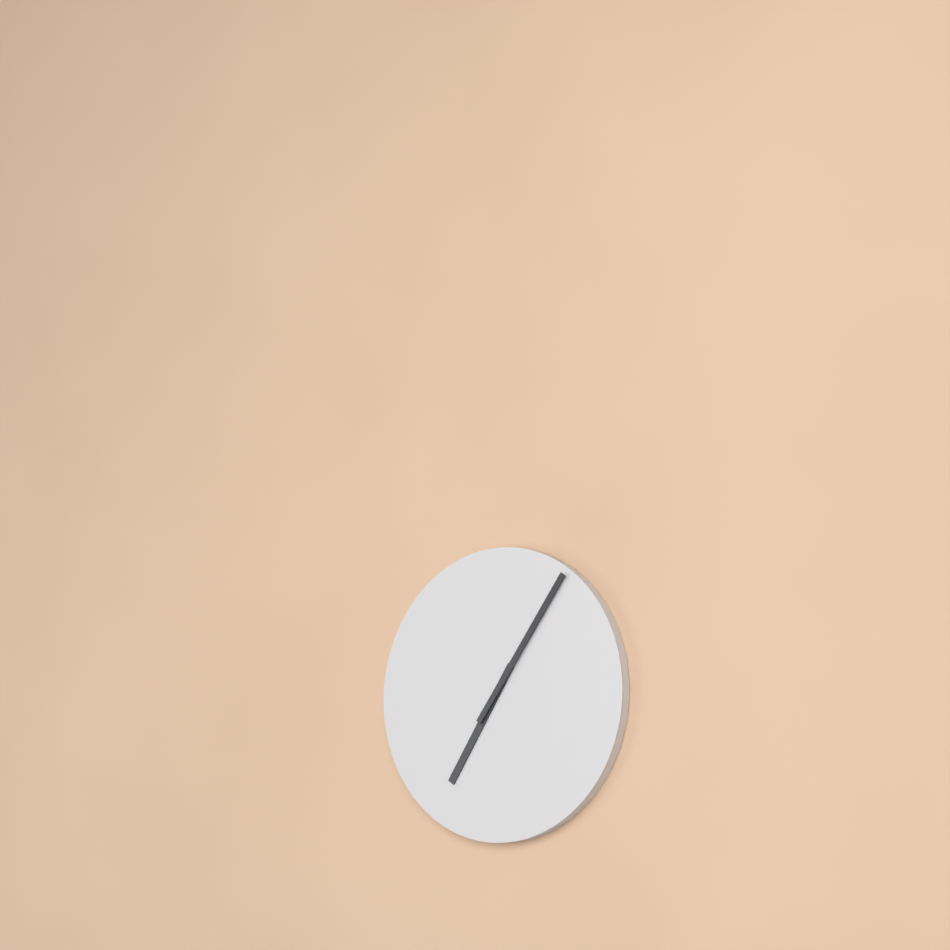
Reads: 7:06
